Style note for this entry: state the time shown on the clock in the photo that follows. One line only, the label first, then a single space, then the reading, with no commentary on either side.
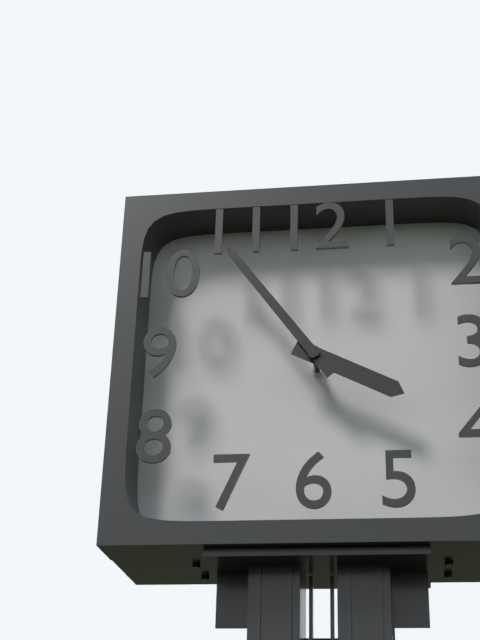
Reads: 3:54
